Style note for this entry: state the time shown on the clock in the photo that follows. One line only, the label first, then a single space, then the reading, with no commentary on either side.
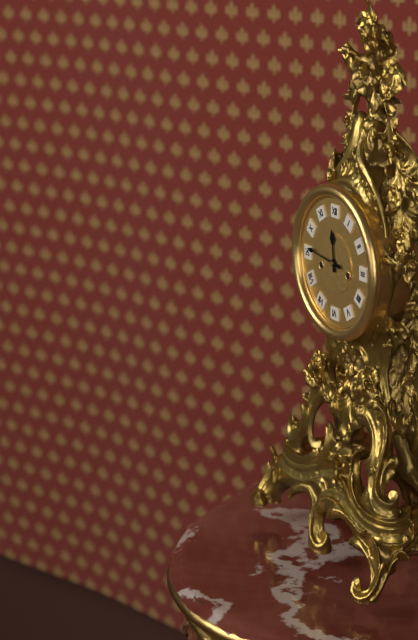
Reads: 11:46
